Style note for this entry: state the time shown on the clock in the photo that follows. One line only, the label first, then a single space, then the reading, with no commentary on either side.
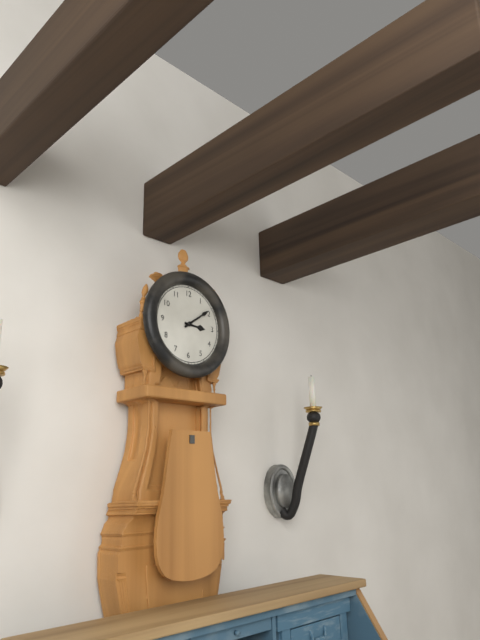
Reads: 3:09
